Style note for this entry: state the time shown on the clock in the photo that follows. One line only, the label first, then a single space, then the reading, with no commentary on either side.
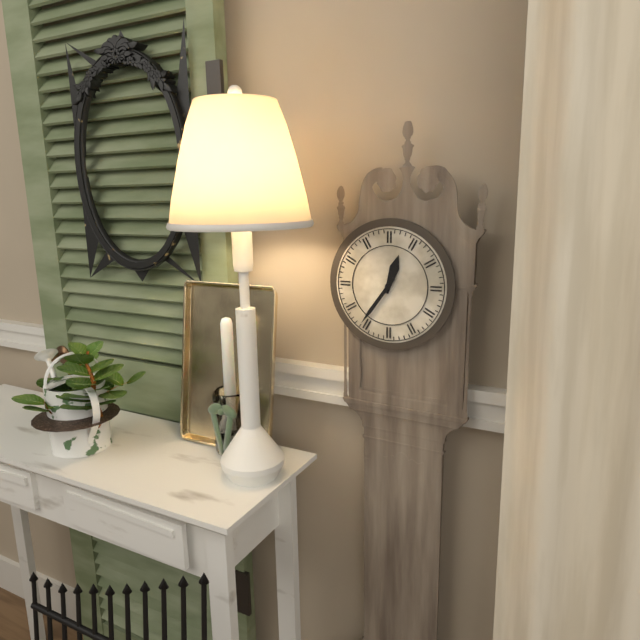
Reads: 12:36
